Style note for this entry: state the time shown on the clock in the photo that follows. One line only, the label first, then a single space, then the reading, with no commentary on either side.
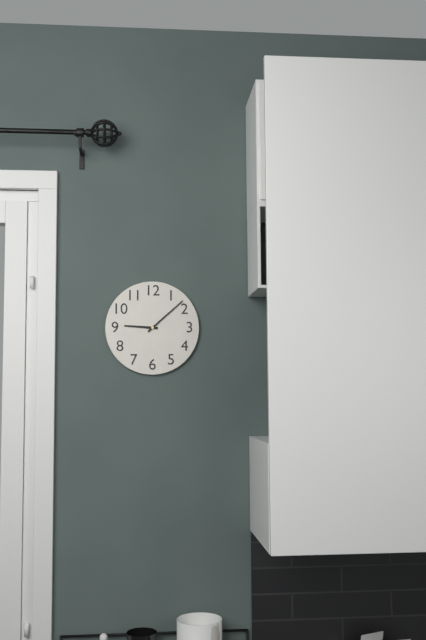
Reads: 9:08
